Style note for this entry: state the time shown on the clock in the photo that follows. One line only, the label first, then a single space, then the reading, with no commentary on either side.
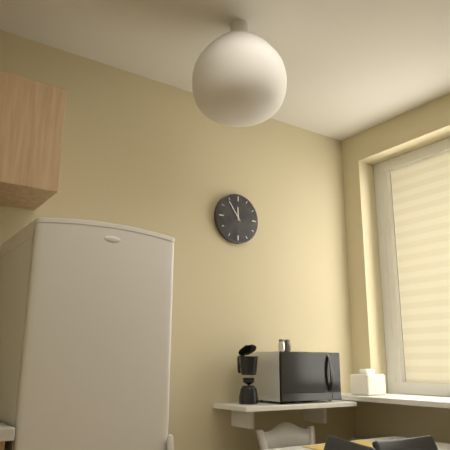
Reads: 11:54
